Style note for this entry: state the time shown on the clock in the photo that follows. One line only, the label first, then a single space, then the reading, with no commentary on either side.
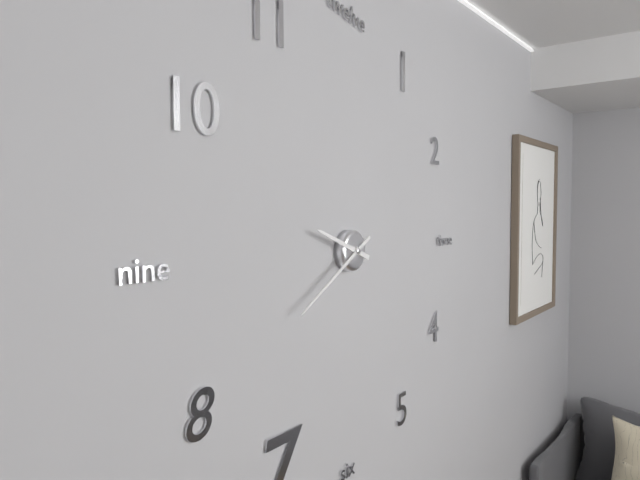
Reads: 9:40
